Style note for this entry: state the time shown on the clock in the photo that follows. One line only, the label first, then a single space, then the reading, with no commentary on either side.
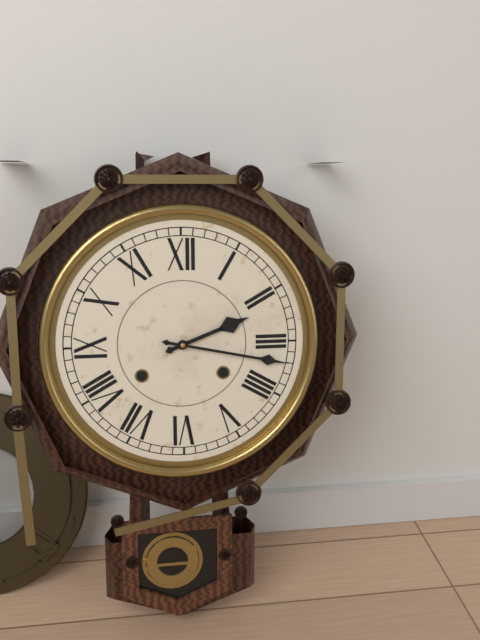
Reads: 2:17
